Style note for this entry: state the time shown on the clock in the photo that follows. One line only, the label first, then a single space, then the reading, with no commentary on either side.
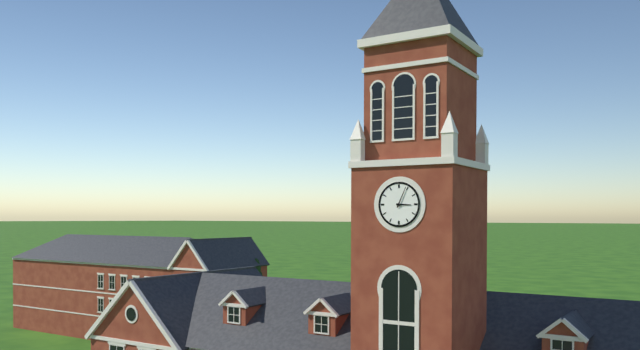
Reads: 3:04
